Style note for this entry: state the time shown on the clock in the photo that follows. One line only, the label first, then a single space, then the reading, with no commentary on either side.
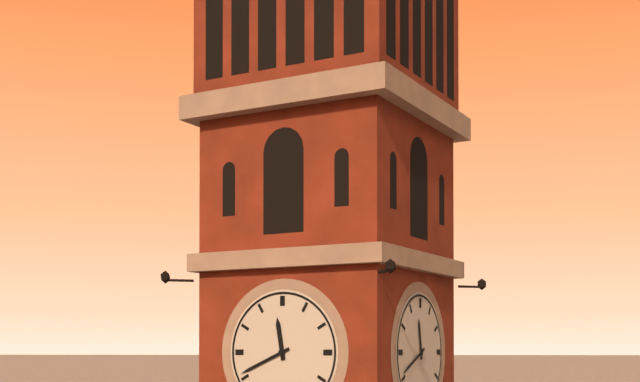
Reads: 11:41
